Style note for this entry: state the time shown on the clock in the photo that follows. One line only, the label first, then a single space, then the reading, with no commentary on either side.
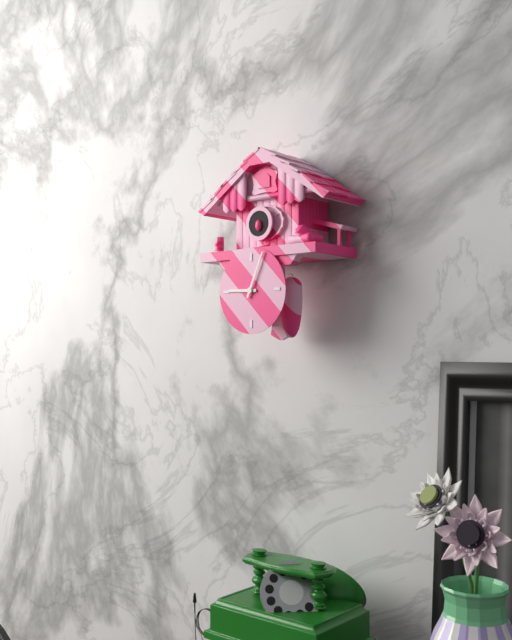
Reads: 9:04
